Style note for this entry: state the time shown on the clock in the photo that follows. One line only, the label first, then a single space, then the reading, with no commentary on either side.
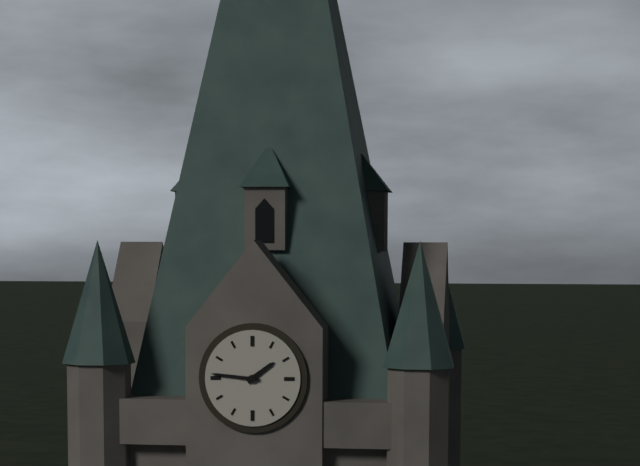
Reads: 1:46
